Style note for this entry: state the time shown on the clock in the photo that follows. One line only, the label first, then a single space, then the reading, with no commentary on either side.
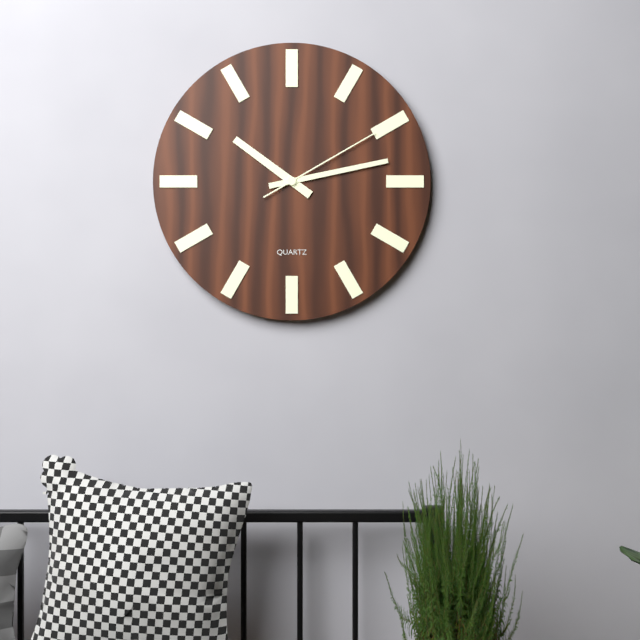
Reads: 10:13:10
